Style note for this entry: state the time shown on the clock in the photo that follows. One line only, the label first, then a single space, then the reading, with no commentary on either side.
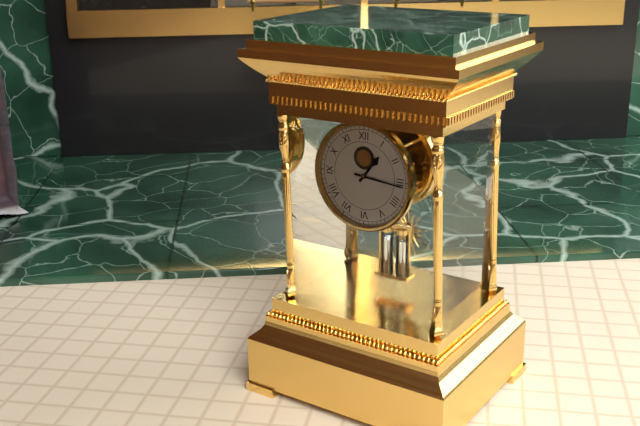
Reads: 1:16
